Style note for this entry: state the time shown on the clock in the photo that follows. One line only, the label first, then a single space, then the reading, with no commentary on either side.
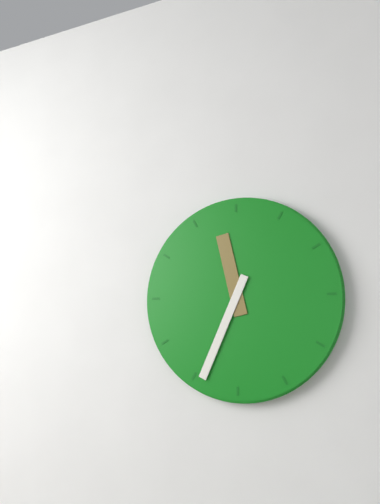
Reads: 11:34
